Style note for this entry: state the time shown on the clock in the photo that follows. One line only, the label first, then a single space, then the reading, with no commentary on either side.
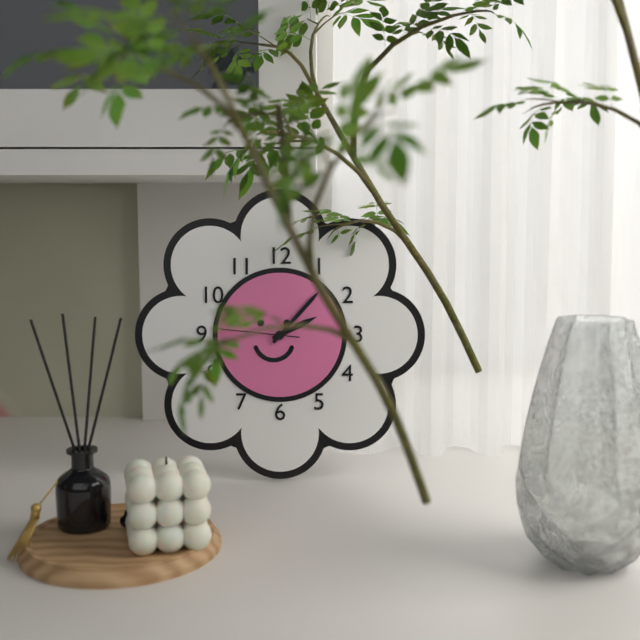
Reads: 2:07:46
